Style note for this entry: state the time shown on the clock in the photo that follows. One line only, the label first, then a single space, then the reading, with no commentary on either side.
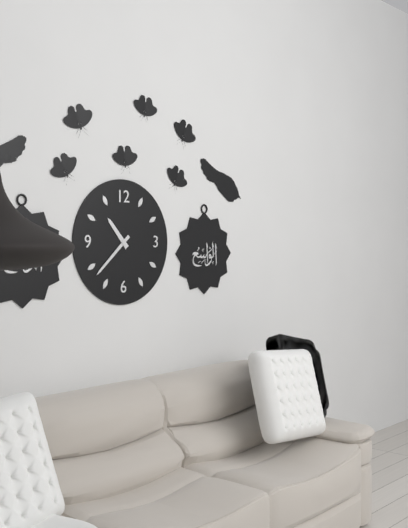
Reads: 10:38
